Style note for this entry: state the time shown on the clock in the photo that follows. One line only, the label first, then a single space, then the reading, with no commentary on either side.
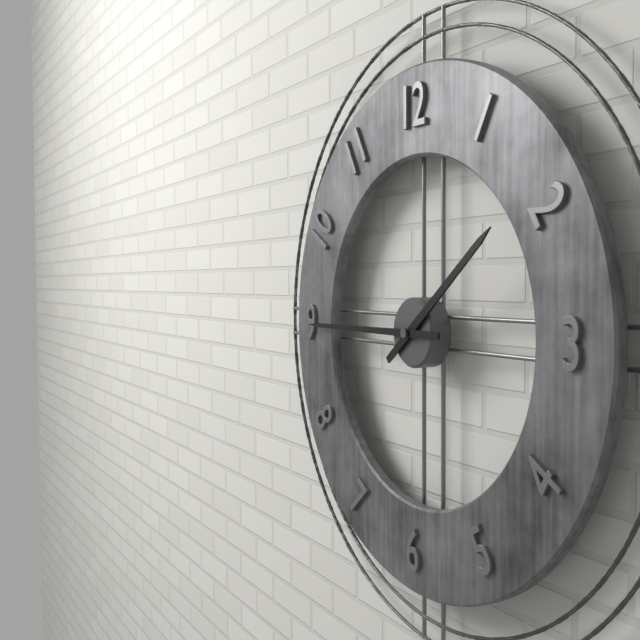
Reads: 1:45
